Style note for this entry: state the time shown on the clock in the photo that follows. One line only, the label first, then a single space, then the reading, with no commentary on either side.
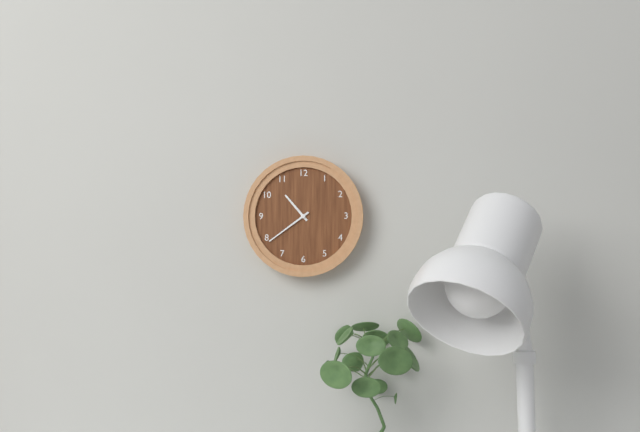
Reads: 10:39
